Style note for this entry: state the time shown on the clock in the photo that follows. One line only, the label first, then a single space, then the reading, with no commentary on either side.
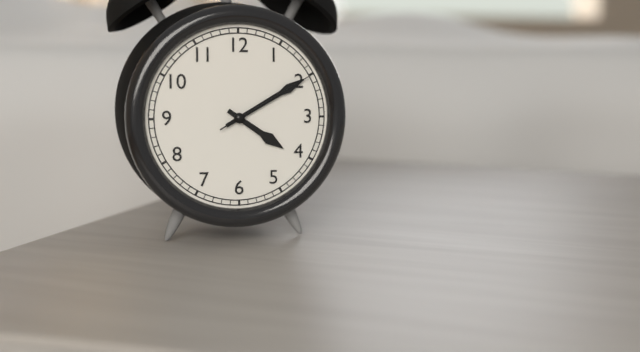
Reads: 4:10:10
